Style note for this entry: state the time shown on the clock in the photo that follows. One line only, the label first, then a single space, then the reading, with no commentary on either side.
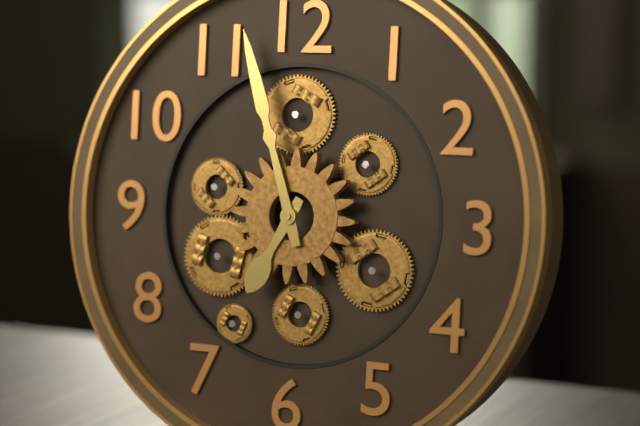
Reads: 6:57
